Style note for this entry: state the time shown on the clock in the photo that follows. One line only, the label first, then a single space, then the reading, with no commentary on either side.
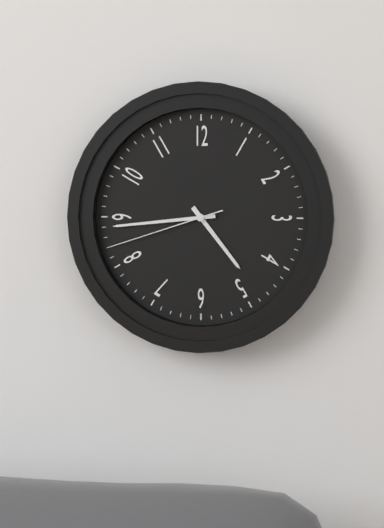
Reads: 4:44:42
